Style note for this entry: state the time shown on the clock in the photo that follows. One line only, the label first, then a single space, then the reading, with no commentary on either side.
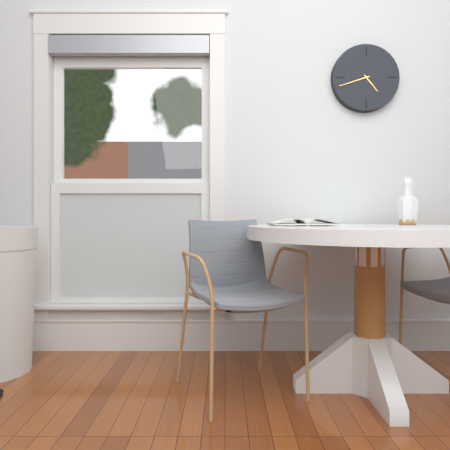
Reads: 4:42
